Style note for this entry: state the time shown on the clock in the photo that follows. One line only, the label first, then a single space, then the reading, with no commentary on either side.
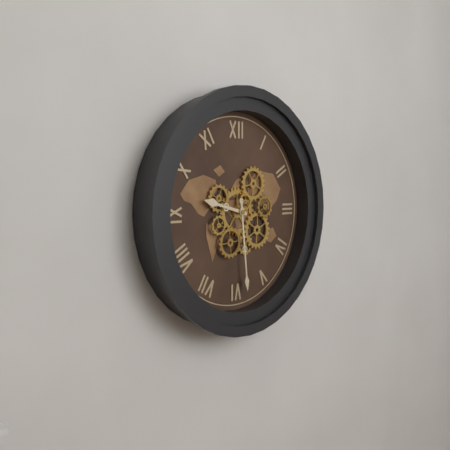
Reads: 9:29
